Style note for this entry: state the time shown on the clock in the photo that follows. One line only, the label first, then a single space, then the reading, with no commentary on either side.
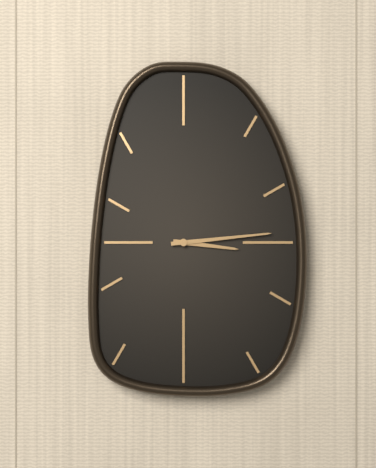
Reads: 3:14
